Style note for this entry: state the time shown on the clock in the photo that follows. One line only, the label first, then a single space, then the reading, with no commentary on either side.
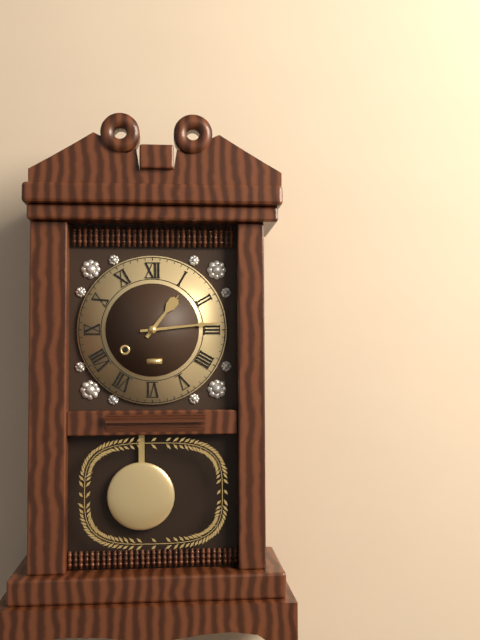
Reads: 1:14
